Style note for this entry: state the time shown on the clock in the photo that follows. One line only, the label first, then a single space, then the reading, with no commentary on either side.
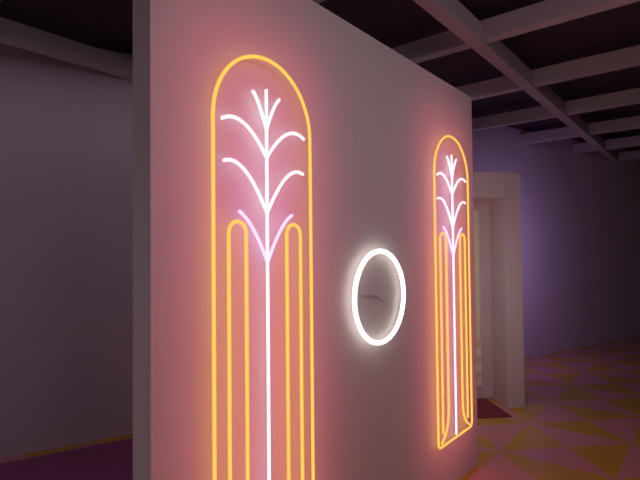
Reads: 3:46
